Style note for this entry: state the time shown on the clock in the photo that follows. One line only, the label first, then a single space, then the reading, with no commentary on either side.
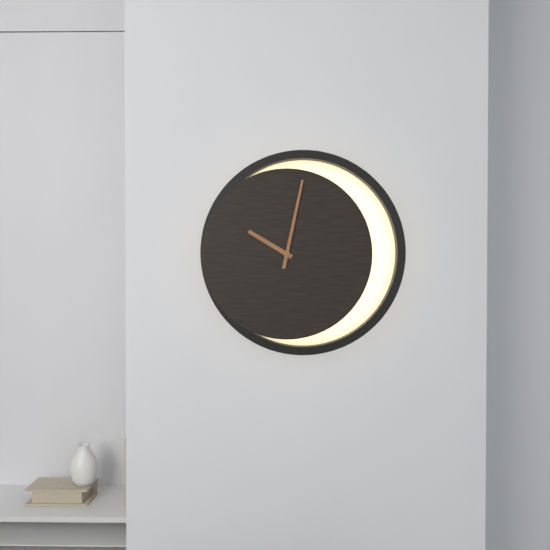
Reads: 10:02
